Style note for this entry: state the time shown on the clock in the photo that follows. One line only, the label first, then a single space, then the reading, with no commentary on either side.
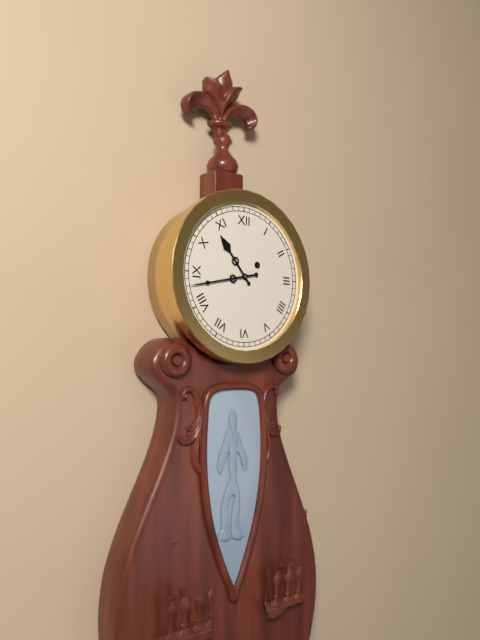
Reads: 10:43
